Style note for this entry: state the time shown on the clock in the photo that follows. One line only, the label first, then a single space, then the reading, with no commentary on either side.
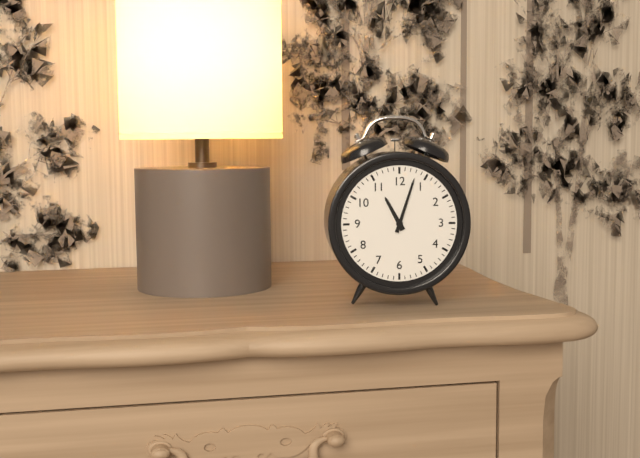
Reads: 11:03
